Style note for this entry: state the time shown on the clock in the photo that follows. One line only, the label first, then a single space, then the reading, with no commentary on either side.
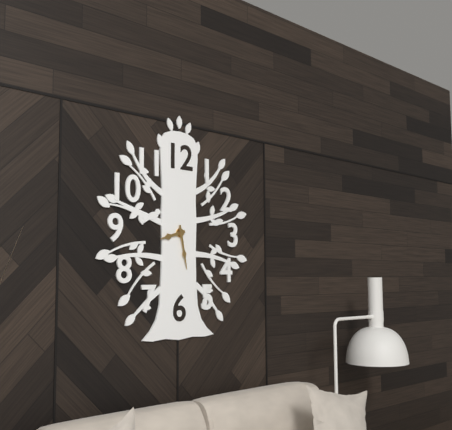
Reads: 8:28
